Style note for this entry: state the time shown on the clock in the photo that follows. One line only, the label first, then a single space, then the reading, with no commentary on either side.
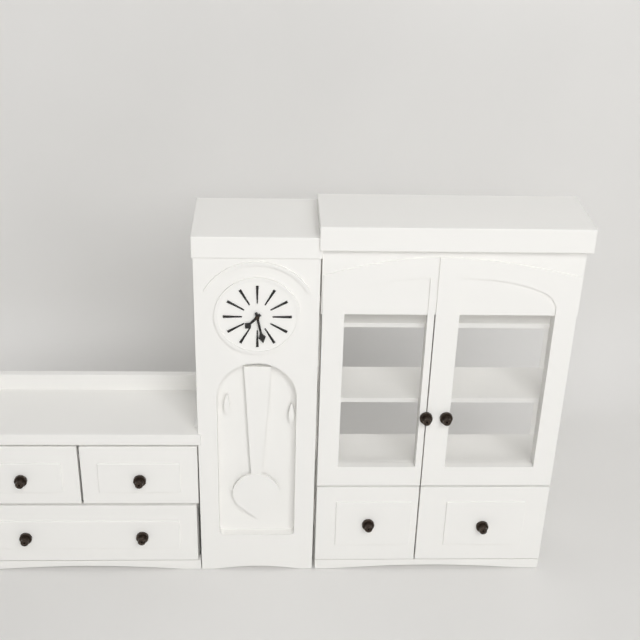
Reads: 7:28
